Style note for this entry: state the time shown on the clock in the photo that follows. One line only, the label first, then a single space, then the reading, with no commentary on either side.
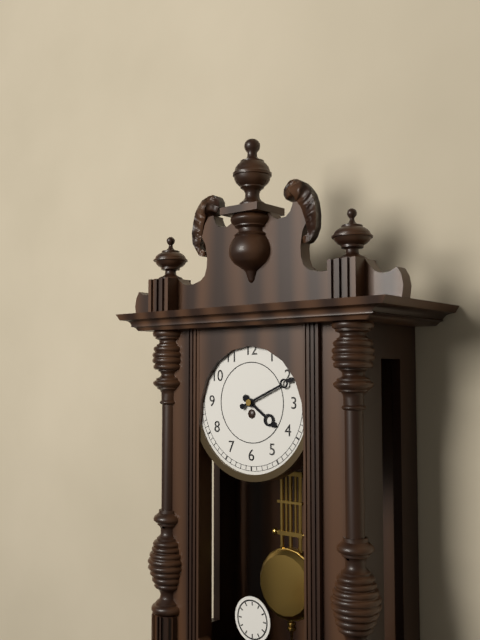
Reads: 4:11
